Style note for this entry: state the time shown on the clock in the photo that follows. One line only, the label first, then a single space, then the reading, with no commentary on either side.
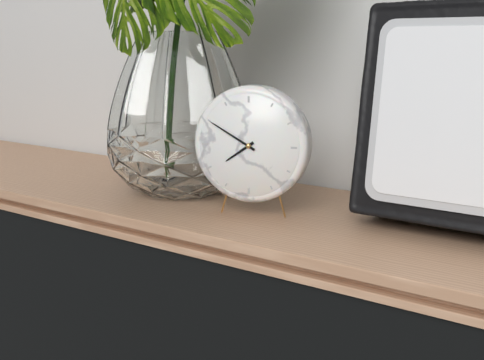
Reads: 7:50
